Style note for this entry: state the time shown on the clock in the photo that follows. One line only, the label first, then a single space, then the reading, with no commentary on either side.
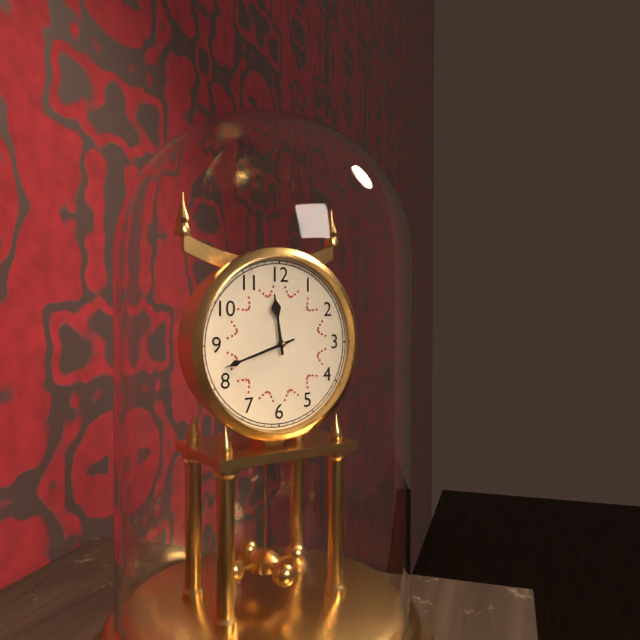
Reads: 11:42
